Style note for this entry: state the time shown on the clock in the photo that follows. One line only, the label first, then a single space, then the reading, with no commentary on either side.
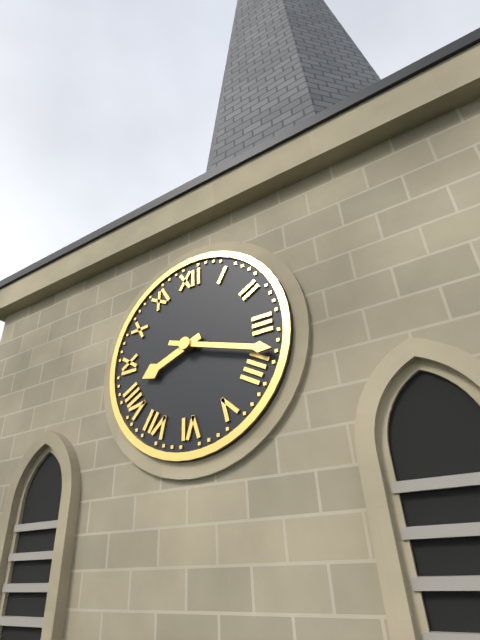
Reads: 8:18
